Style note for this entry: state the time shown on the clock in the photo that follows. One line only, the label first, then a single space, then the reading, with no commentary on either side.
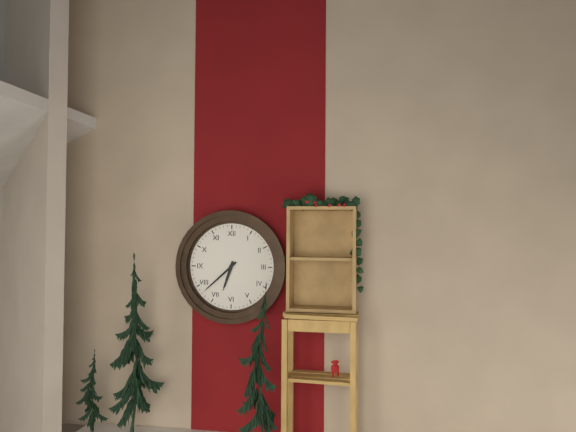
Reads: 6:38
